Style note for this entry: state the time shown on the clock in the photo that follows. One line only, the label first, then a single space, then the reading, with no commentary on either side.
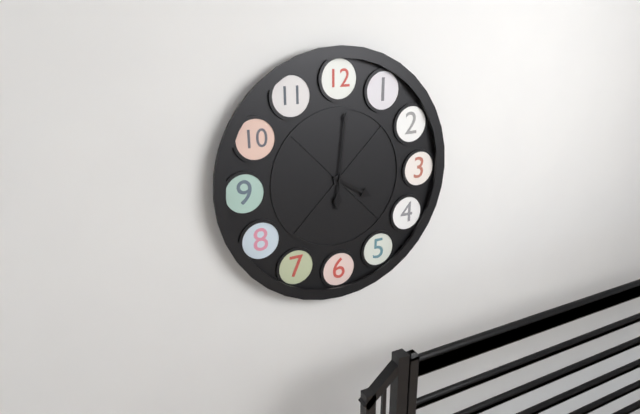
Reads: 4:01
